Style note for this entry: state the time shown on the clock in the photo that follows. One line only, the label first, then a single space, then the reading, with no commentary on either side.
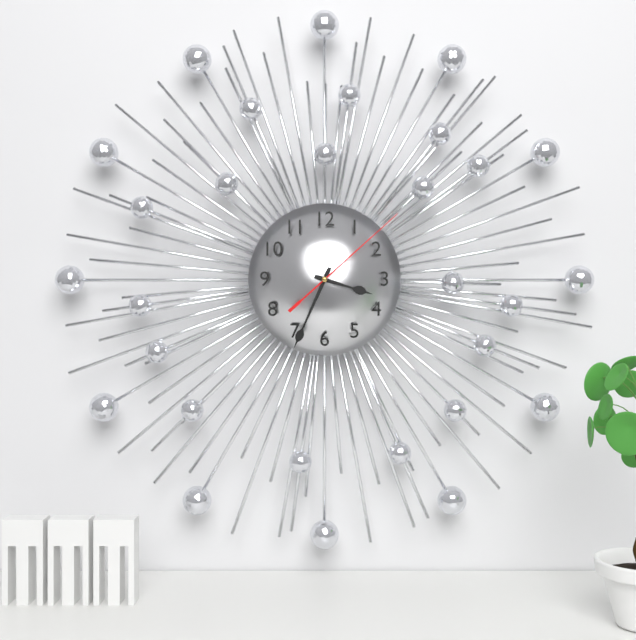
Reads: 3:34:08
